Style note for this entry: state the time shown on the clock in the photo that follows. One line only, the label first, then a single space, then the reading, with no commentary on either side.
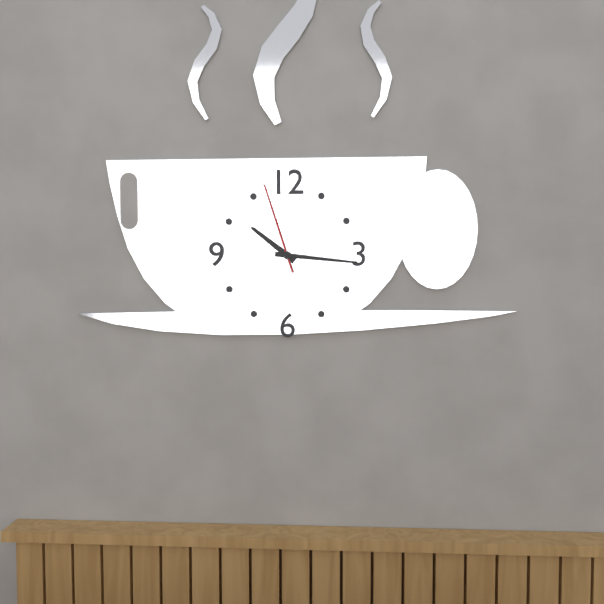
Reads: 10:16:57
